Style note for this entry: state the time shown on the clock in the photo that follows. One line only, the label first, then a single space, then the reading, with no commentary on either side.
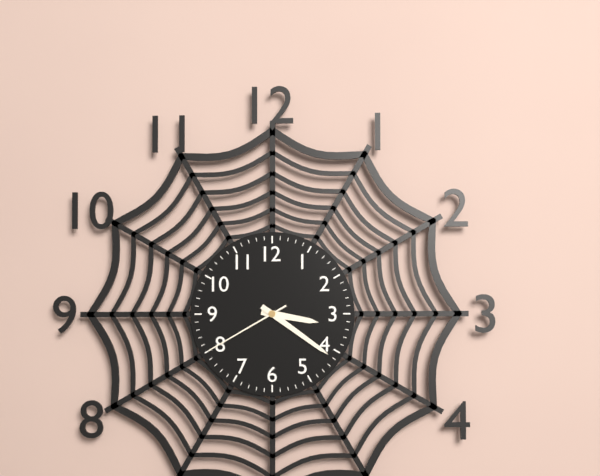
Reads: 3:21:40
